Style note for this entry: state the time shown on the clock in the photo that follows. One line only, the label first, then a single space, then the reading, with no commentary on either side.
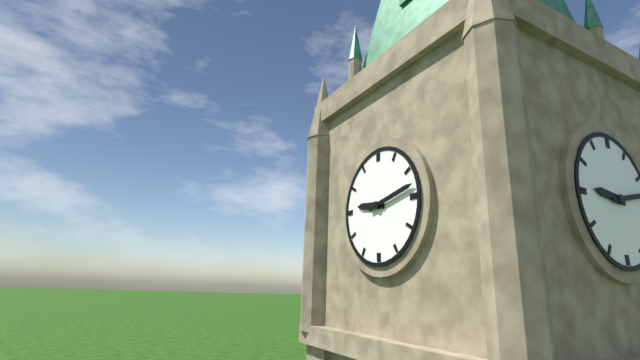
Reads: 9:13
